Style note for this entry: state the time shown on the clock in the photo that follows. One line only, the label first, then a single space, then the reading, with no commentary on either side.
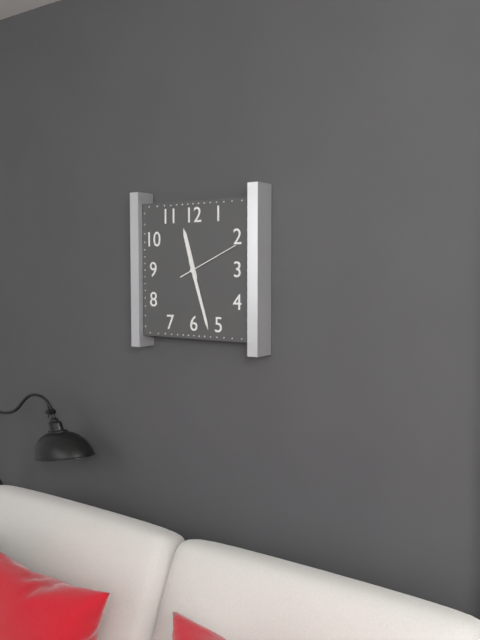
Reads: 11:27:11
